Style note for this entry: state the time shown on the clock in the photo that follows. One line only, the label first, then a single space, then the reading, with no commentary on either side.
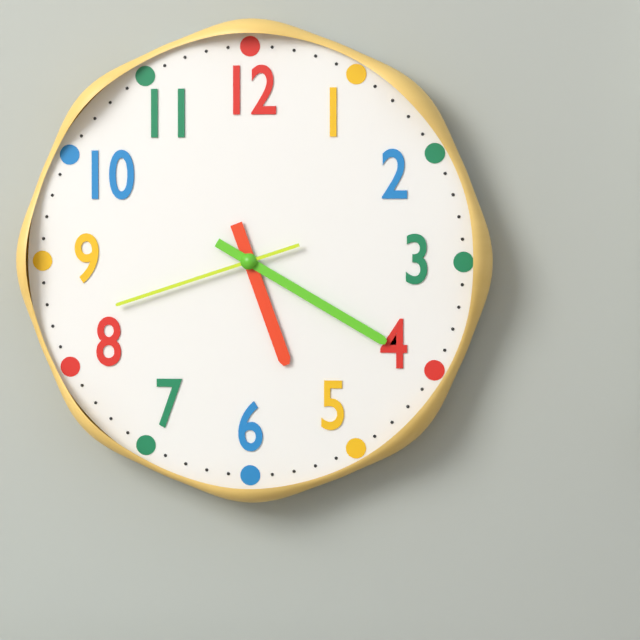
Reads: 5:20:42
